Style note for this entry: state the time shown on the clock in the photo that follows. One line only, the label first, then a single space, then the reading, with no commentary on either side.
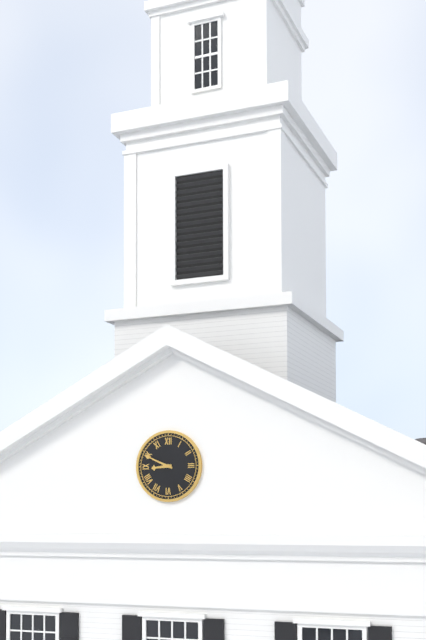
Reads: 8:49
